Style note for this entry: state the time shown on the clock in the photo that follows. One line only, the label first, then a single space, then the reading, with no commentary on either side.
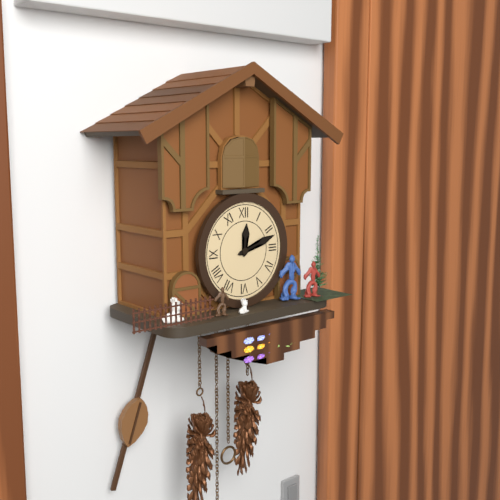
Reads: 12:12
